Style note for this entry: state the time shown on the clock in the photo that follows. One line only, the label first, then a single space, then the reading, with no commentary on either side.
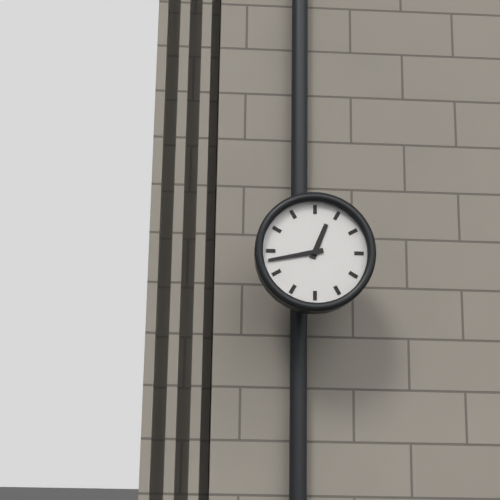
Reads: 12:43
